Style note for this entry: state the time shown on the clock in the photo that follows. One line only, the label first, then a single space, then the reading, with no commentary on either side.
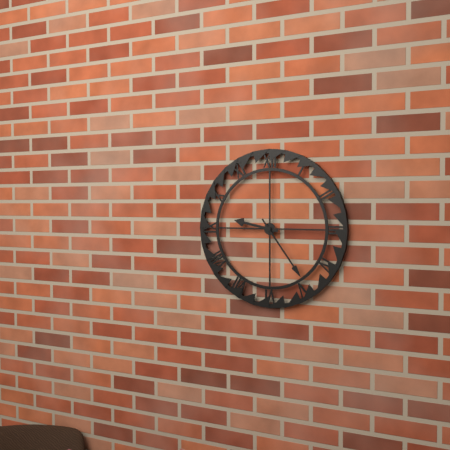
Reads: 9:24
